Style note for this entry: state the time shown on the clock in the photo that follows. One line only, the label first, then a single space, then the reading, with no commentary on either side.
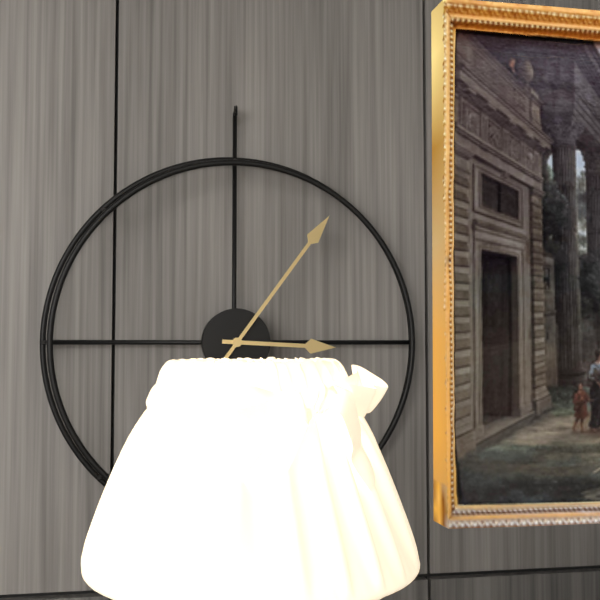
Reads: 3:06
